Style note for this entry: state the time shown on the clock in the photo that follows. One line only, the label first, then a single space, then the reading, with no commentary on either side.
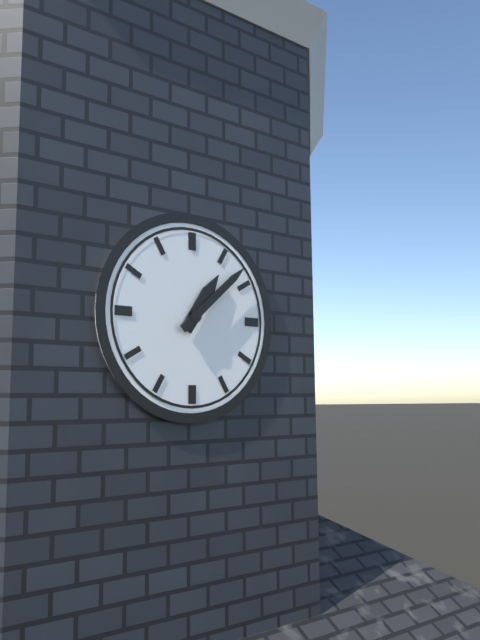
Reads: 1:08
